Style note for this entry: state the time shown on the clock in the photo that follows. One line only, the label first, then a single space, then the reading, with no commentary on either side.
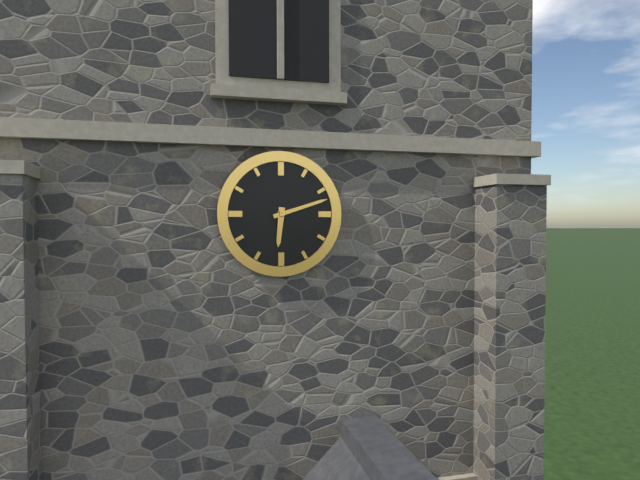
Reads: 6:12
